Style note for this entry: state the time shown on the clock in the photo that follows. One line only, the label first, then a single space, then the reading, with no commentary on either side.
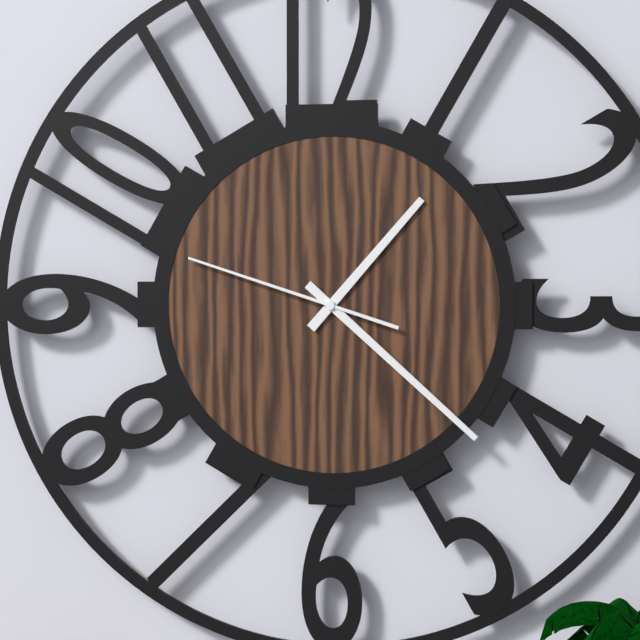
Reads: 1:22:48
